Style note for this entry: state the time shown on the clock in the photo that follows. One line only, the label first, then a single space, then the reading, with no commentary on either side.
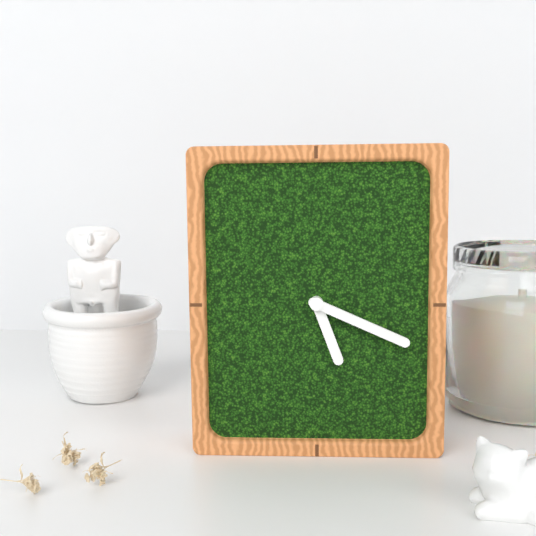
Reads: 5:19
